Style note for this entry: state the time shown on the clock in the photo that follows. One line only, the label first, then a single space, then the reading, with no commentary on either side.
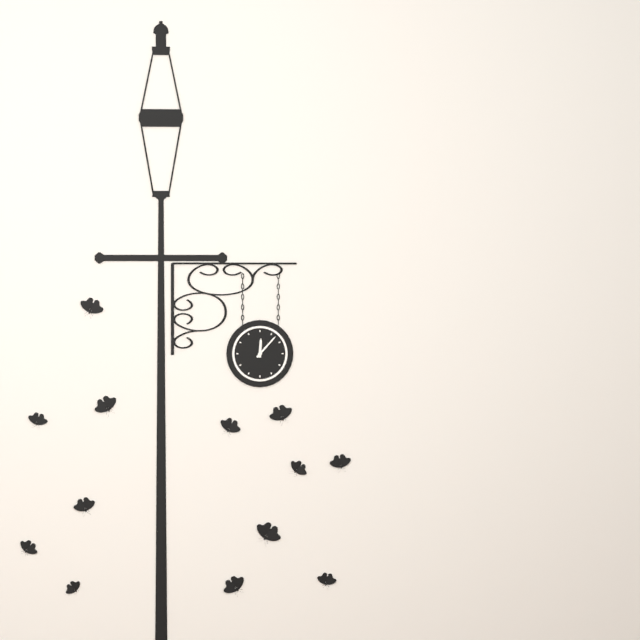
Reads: 12:07
